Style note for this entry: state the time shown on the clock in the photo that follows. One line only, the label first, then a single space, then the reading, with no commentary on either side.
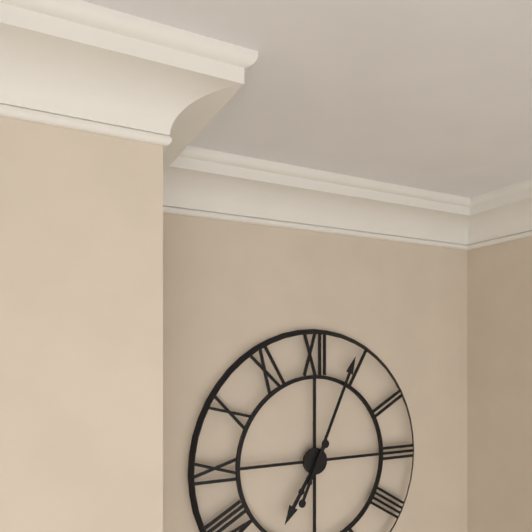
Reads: 7:04
